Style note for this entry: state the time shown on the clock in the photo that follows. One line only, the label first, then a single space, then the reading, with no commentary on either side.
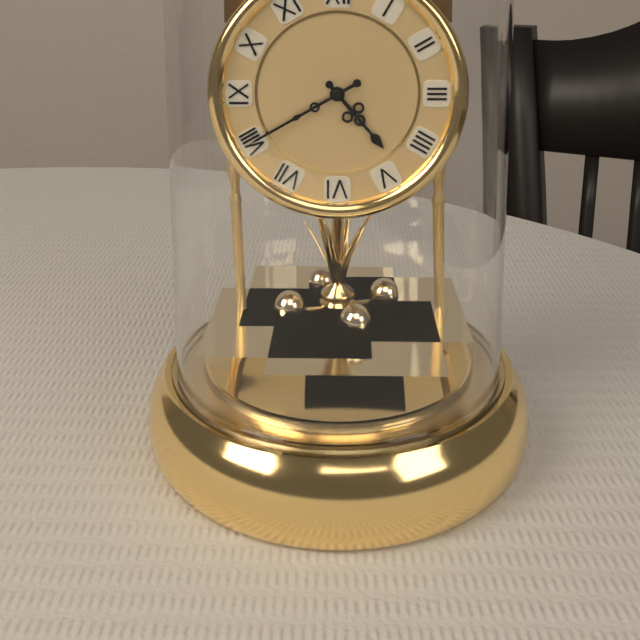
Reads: 4:40
